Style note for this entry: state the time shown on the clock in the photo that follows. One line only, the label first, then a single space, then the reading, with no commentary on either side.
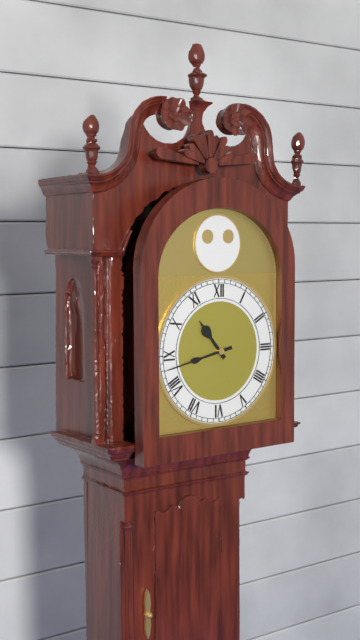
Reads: 10:43
